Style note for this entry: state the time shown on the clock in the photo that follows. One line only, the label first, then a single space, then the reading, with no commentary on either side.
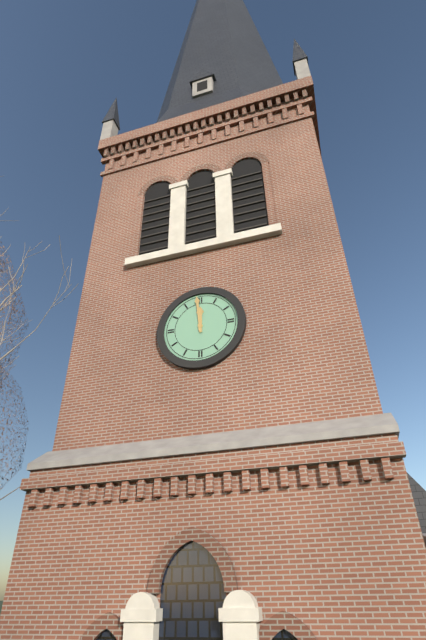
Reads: 11:59
